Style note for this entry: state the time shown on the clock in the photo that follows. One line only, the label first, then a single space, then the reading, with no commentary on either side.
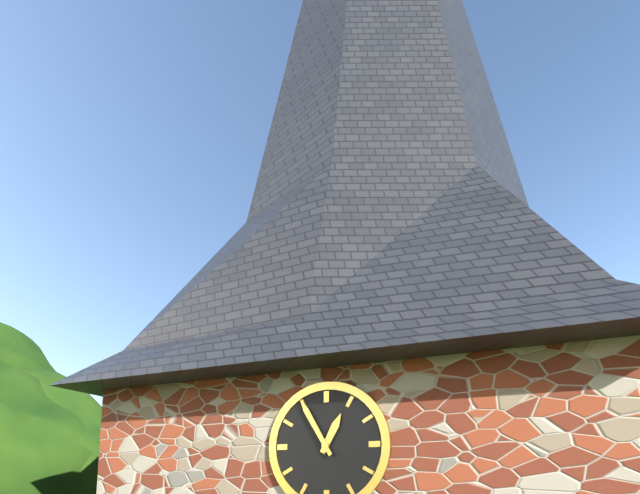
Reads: 12:55
